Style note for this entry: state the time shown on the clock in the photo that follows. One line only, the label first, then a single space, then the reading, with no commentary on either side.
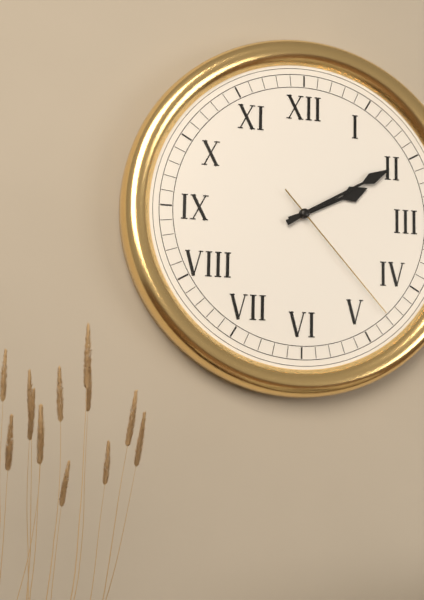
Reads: 2:10:23
